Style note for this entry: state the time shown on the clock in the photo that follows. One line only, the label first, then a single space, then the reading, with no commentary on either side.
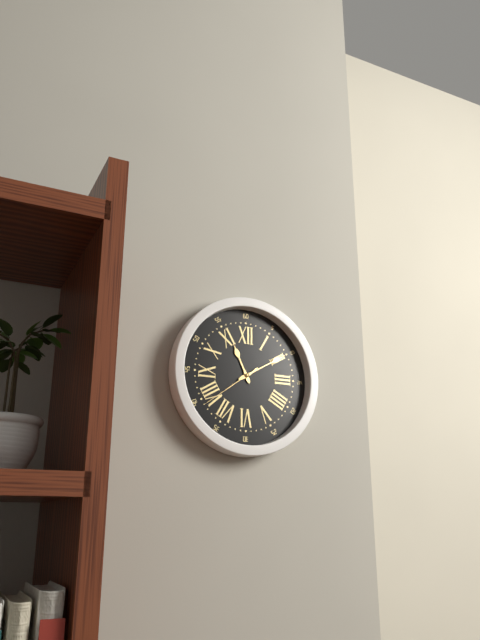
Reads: 11:10:39
